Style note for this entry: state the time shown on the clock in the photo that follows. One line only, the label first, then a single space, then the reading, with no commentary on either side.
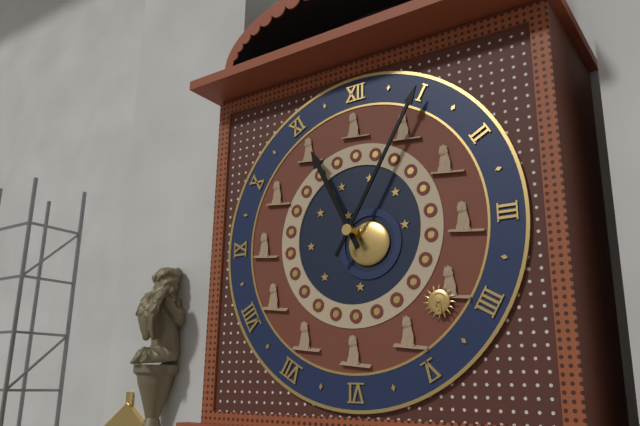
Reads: 11:05
